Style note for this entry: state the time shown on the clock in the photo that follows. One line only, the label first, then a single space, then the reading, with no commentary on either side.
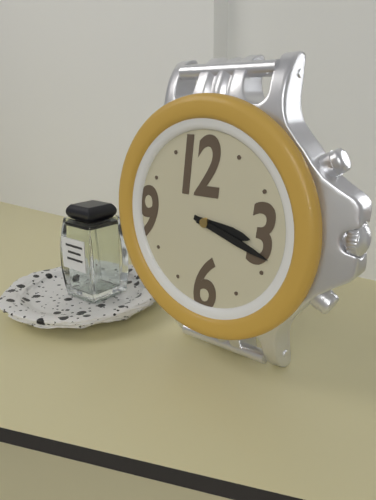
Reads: 3:18
